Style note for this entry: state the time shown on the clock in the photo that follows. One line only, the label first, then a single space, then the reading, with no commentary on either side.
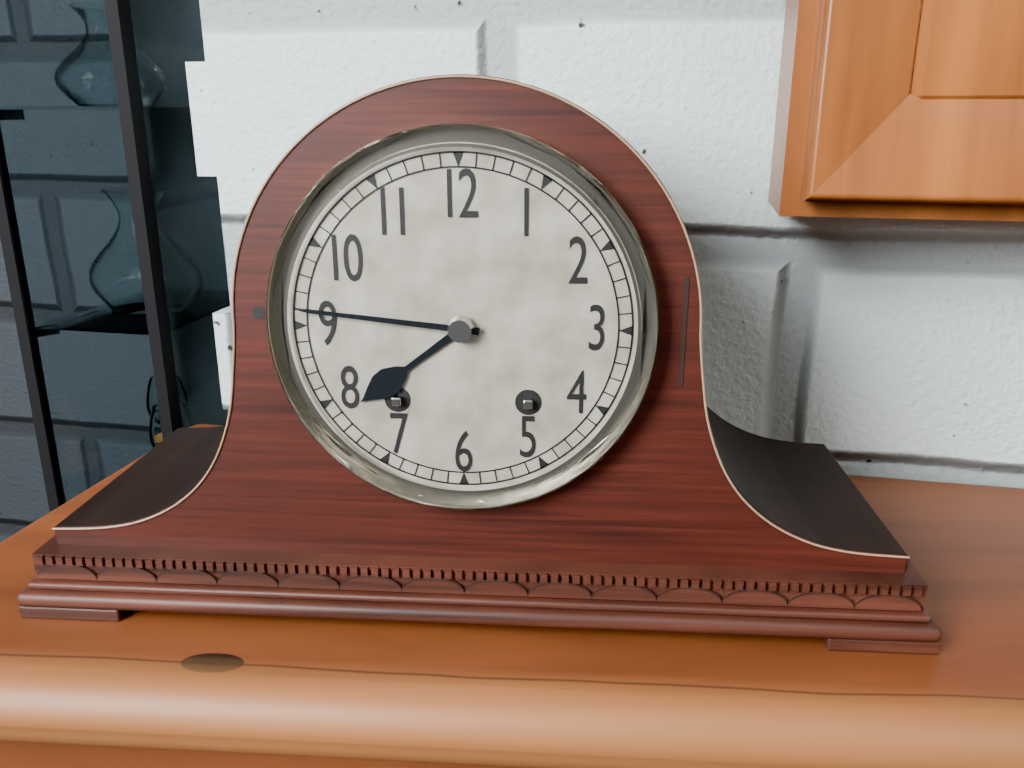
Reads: 7:46
